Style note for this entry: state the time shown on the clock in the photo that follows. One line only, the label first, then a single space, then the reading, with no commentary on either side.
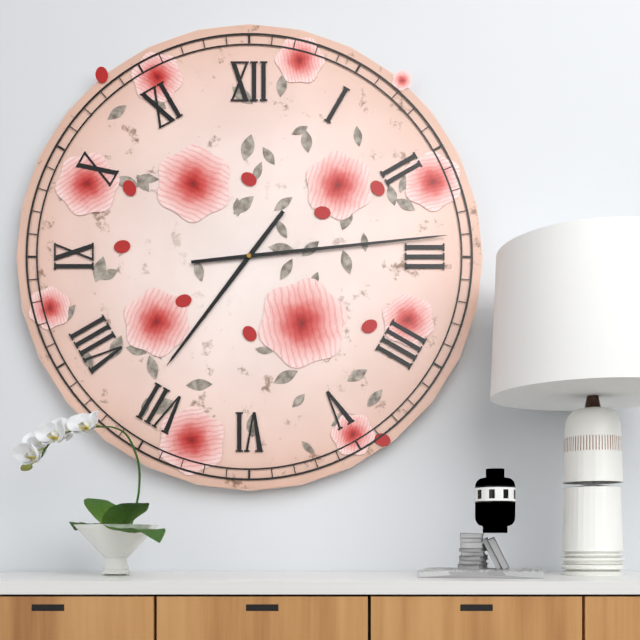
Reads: 7:14
